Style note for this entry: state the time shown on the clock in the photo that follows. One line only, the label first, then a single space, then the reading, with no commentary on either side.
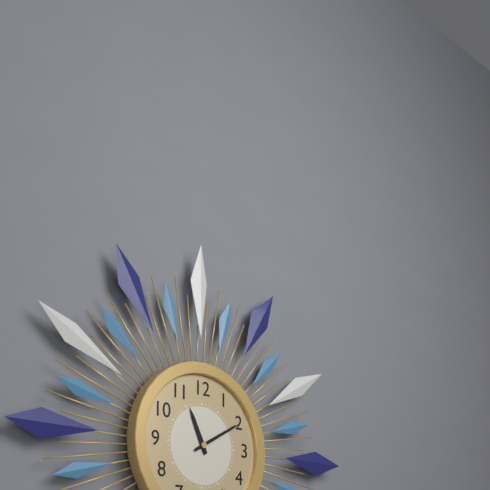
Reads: 11:10
